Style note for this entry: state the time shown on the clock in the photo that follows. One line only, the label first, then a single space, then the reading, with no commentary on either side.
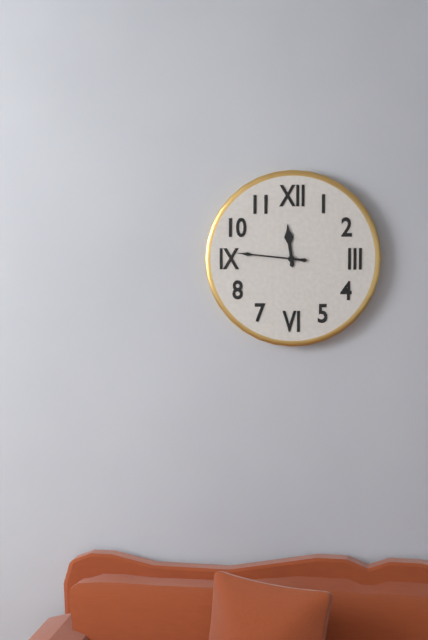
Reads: 11:46
